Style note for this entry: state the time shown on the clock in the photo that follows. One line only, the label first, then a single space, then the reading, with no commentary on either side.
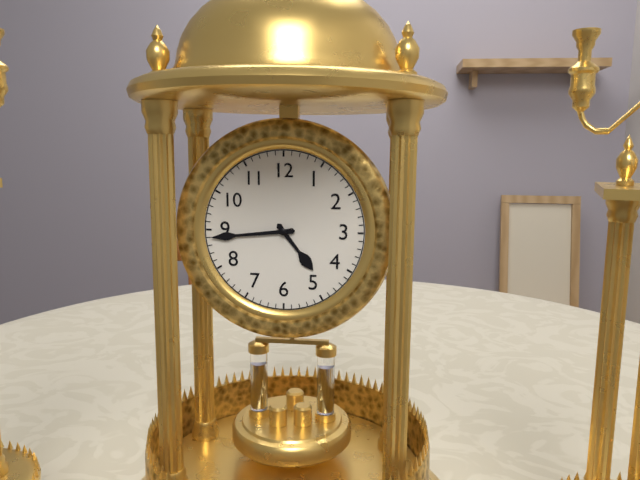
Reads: 4:44
